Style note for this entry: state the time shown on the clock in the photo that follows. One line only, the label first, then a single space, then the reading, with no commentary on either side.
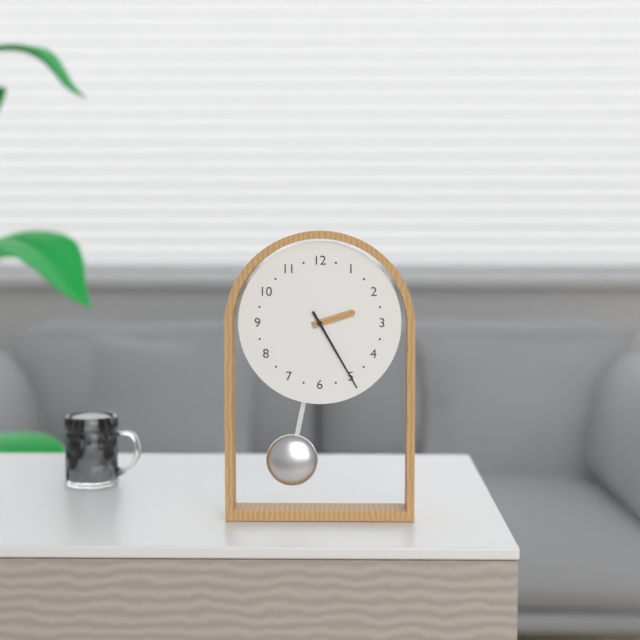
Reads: 2:25
